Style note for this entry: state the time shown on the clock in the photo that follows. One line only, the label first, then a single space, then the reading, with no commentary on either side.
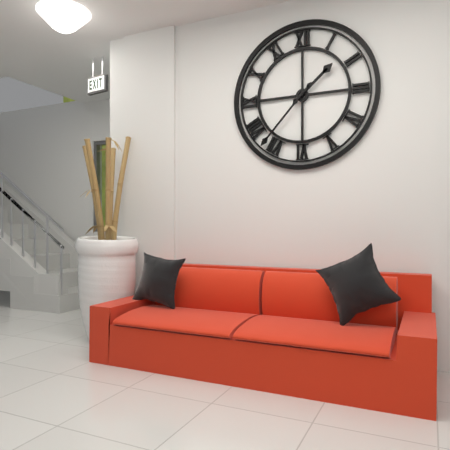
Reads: 1:37
